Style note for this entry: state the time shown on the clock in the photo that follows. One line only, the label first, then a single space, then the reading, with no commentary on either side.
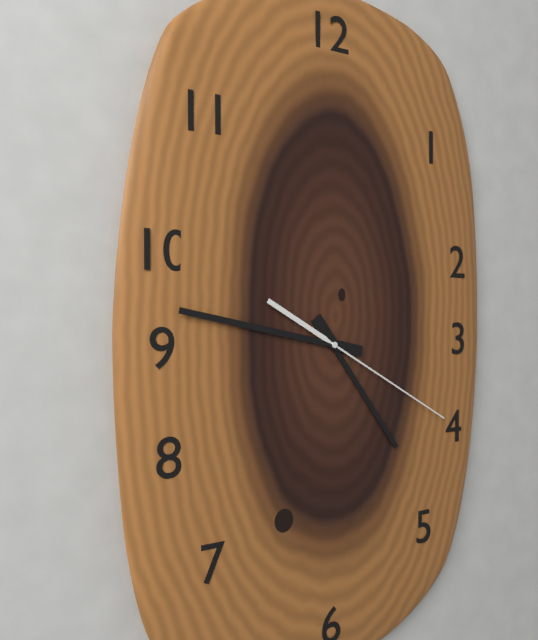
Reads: 4:47:20
